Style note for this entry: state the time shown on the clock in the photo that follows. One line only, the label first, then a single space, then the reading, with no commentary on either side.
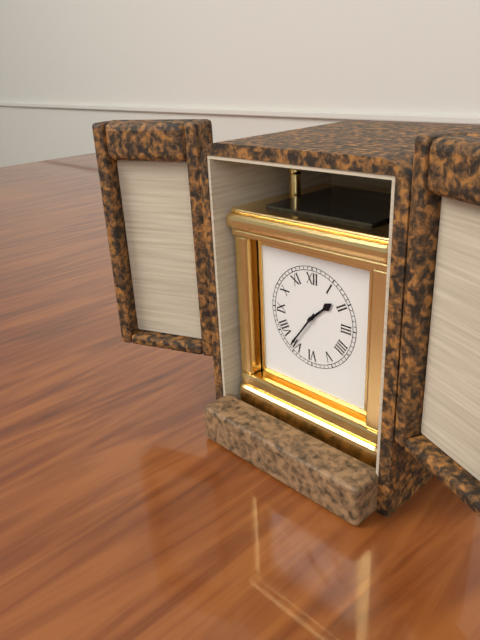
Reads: 1:36
